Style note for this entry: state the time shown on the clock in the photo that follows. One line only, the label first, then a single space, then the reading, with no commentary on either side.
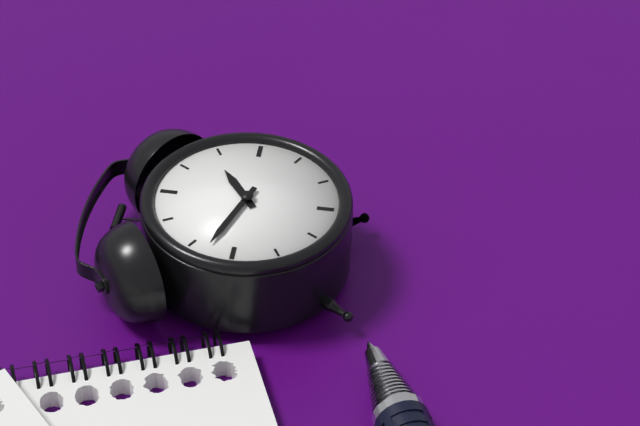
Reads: 1:48
